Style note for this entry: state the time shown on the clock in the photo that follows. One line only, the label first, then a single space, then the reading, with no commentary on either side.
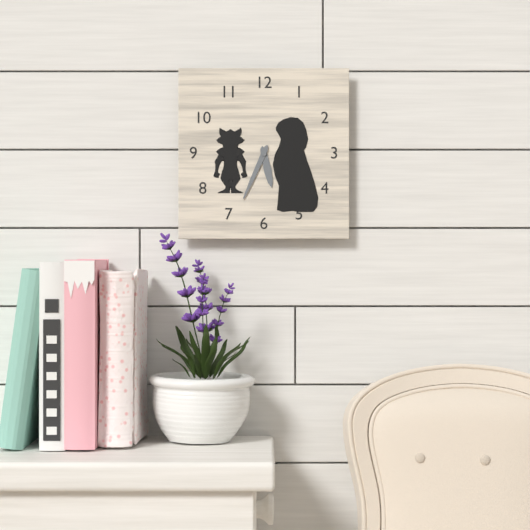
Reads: 5:34
